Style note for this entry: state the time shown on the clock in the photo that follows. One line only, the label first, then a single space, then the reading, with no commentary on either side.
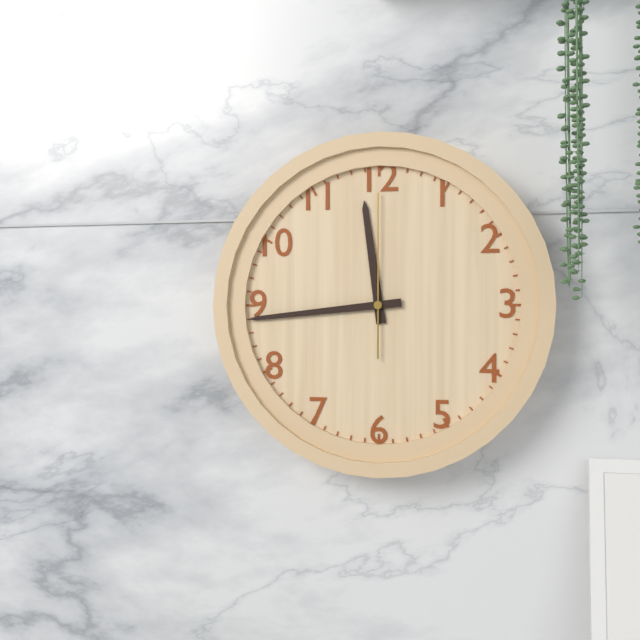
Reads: 11:44:00
